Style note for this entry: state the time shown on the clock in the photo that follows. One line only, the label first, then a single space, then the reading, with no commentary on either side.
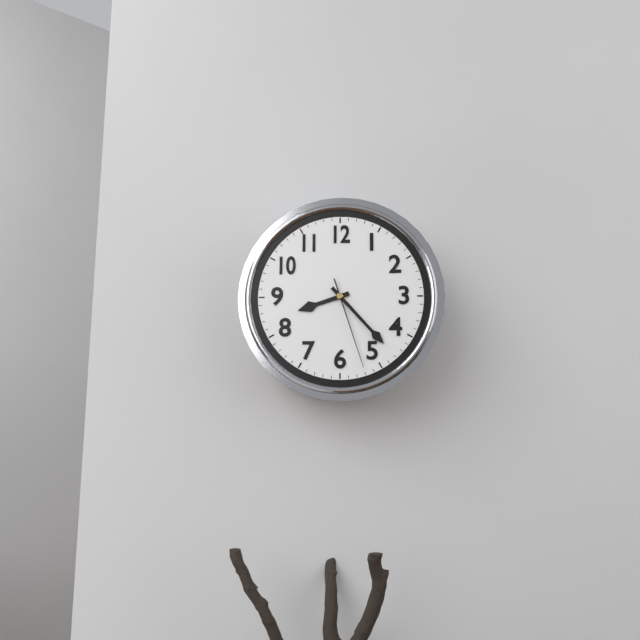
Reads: 8:23:27
